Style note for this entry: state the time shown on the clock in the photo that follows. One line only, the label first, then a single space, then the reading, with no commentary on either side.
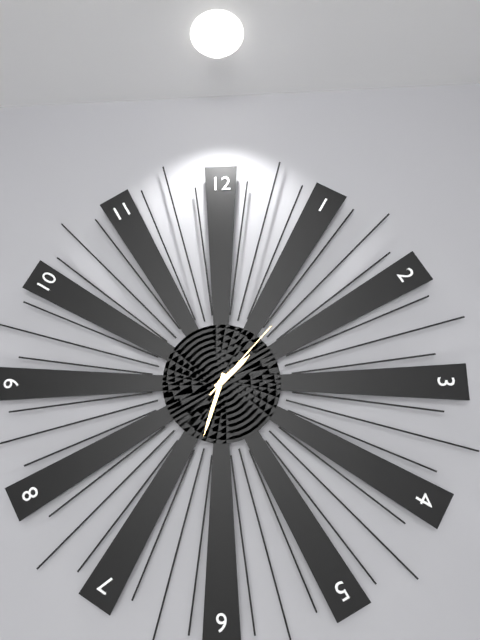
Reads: 1:33:07
